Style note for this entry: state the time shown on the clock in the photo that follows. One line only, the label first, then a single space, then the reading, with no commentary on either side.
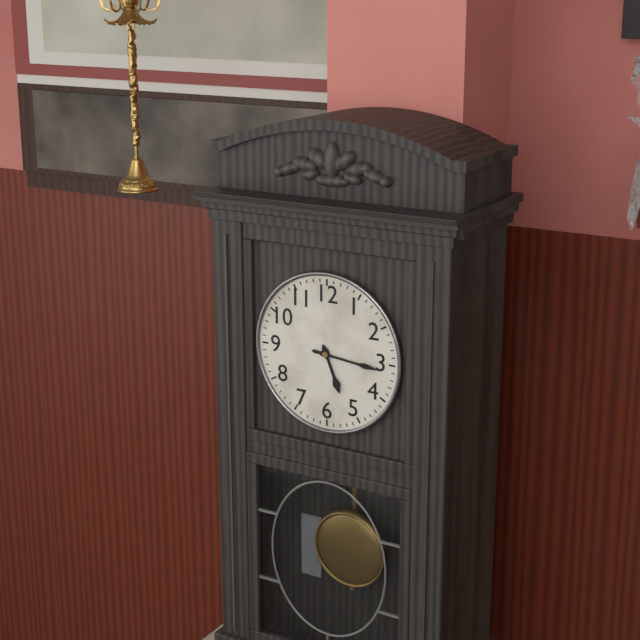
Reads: 5:16
